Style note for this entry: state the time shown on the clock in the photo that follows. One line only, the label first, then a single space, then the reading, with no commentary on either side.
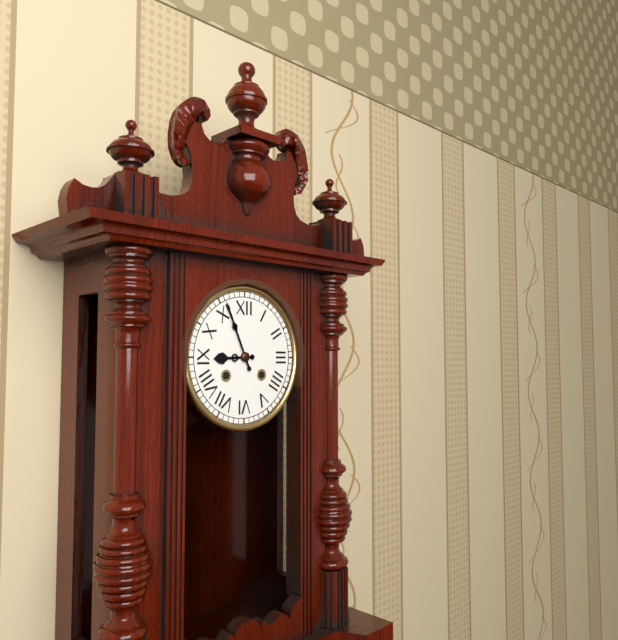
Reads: 8:56
